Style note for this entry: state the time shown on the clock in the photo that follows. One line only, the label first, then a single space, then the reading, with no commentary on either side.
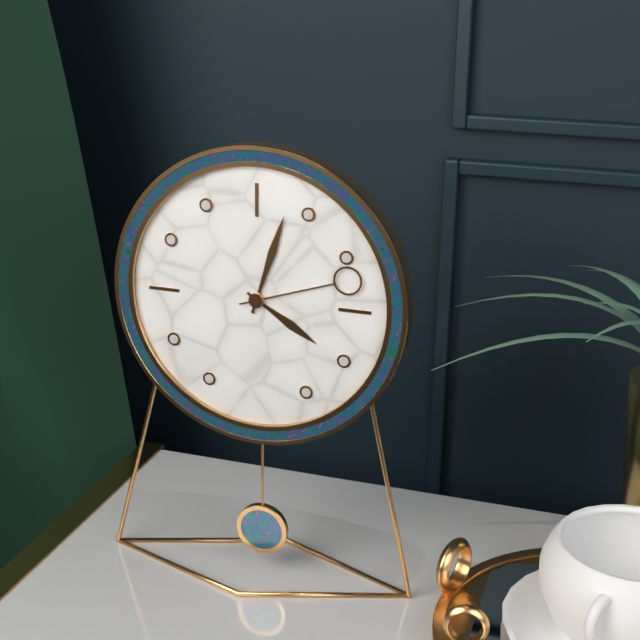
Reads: 4:03:12
